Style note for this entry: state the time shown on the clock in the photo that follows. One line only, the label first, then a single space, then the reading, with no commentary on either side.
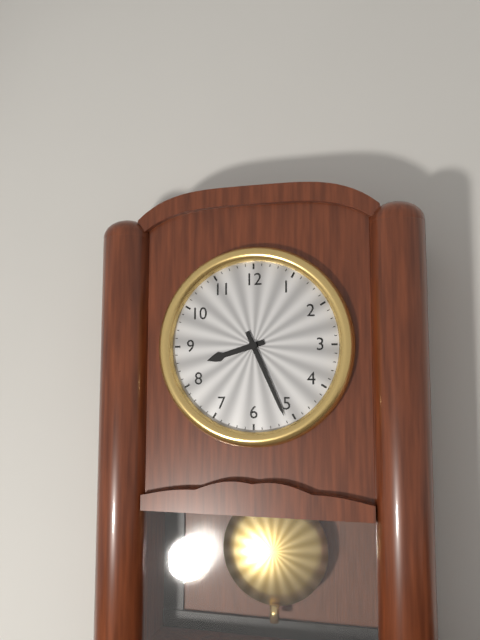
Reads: 8:26
